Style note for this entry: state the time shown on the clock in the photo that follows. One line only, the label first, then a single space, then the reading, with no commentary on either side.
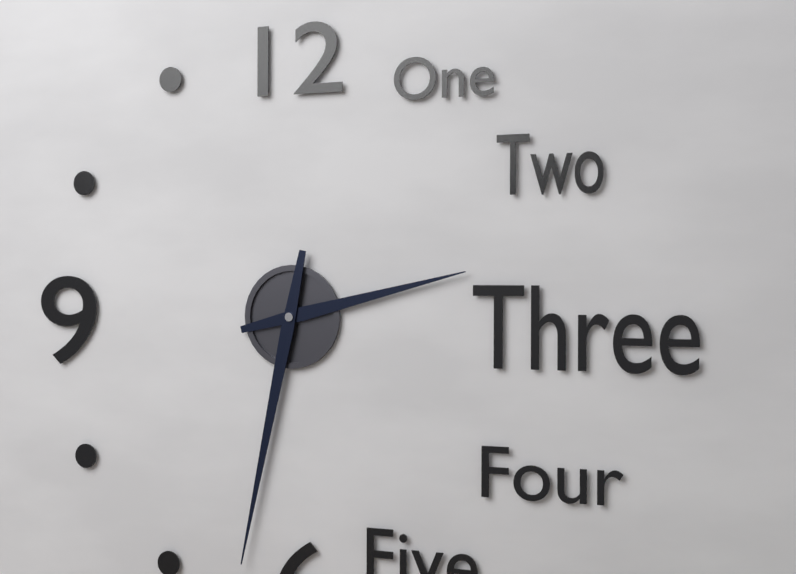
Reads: 2:32
